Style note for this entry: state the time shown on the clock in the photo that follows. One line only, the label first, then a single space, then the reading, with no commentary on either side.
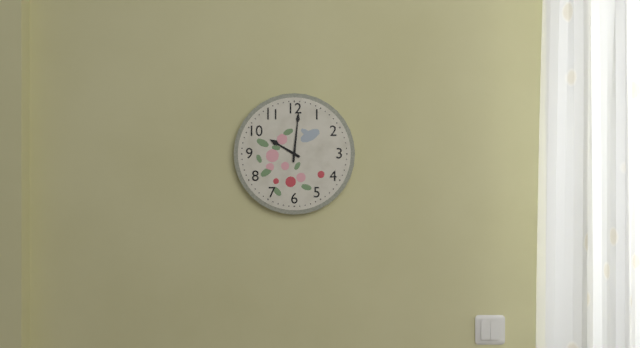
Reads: 10:01
